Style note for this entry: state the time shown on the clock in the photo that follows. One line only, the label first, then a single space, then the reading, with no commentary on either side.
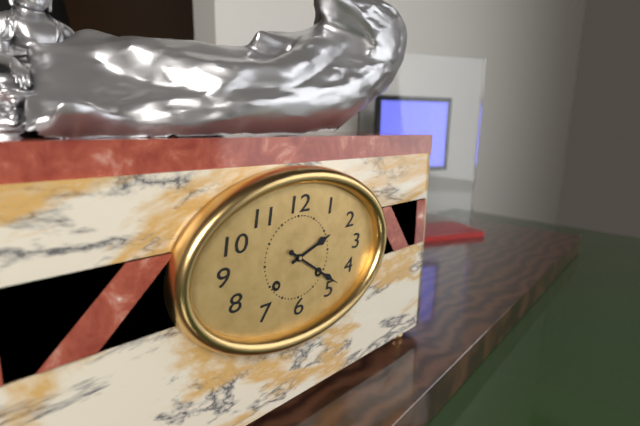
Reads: 2:21
